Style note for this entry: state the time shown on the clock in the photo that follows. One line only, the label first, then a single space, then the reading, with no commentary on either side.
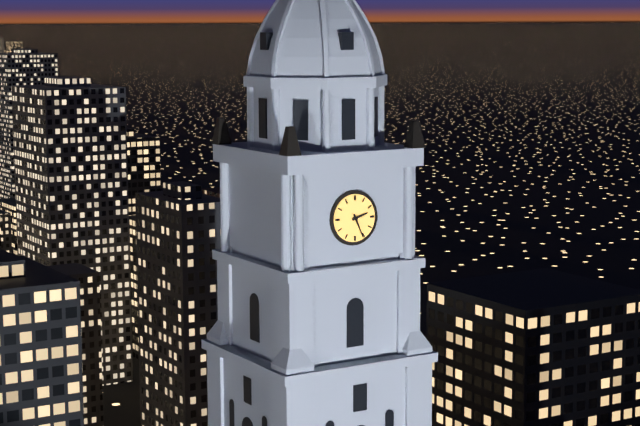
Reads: 2:26
